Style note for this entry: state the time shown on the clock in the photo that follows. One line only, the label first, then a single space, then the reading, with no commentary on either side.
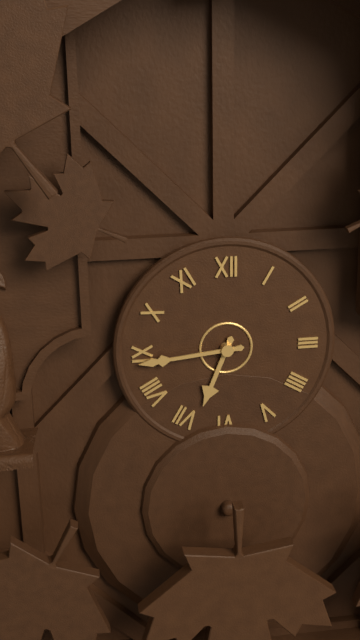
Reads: 6:44
